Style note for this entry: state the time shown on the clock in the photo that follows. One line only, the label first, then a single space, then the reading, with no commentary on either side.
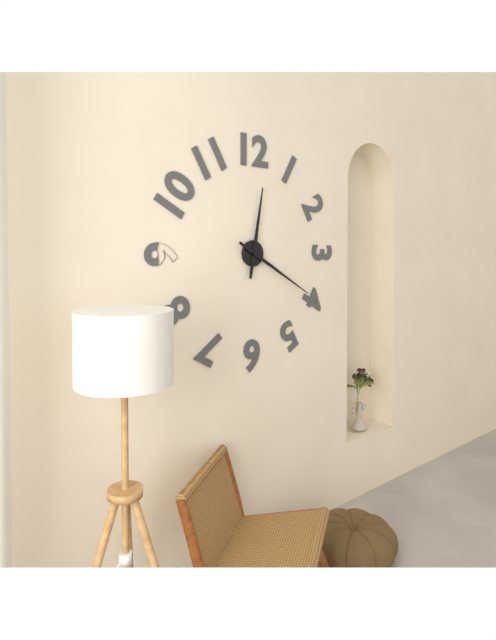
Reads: 12:20
